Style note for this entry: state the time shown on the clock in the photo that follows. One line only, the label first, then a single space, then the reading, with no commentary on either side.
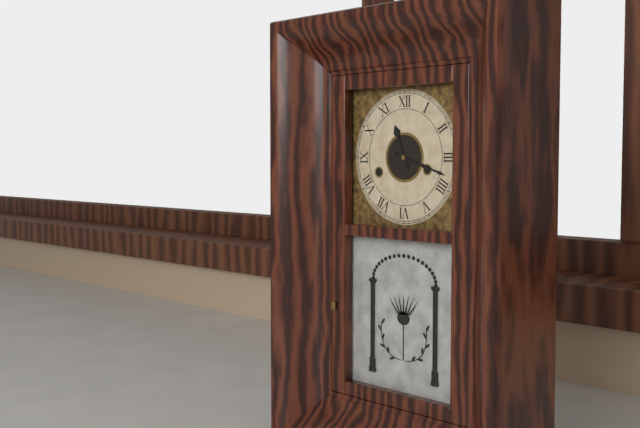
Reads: 11:18
